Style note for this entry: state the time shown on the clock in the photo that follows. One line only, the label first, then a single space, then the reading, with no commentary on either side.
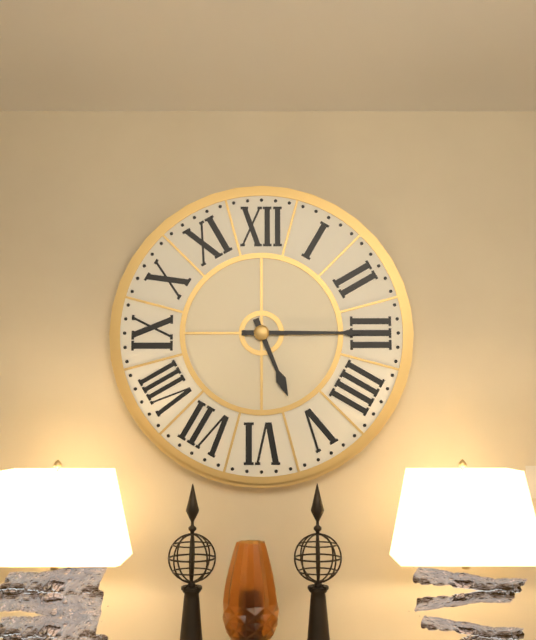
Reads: 5:15
